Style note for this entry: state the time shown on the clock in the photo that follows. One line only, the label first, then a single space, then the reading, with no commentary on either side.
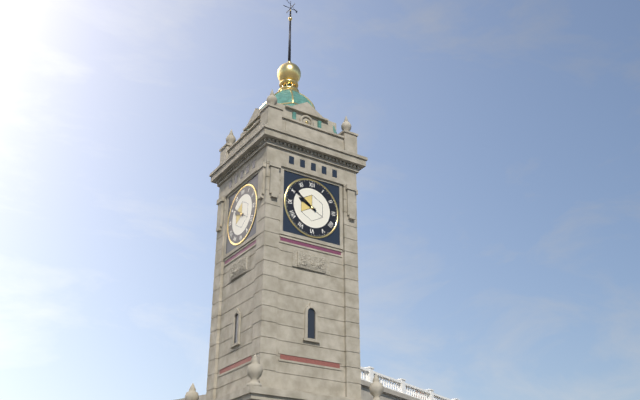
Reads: 9:51
